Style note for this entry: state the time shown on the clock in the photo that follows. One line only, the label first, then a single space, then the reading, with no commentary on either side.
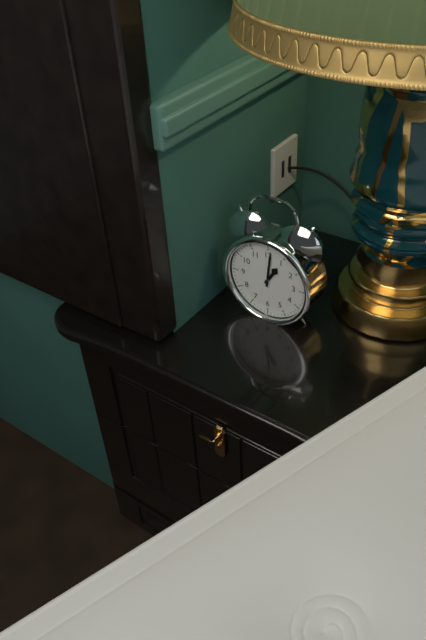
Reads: 1:01
